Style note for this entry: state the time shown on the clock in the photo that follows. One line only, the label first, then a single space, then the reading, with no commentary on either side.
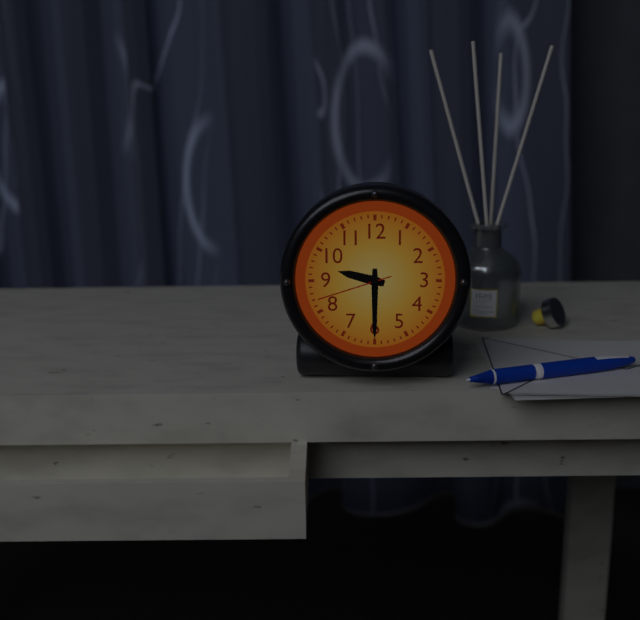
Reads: 9:30:42
